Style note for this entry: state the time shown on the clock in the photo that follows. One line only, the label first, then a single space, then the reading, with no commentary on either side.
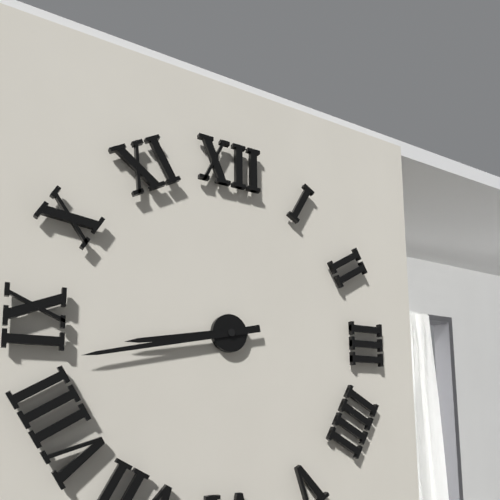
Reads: 8:43
